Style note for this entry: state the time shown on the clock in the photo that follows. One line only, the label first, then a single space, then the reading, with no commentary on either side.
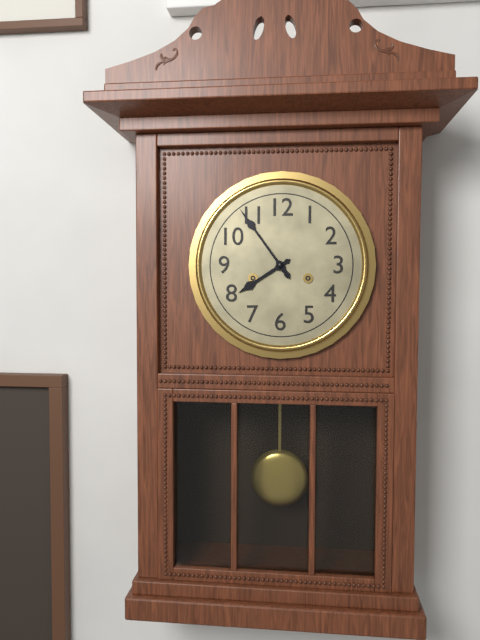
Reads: 7:54
